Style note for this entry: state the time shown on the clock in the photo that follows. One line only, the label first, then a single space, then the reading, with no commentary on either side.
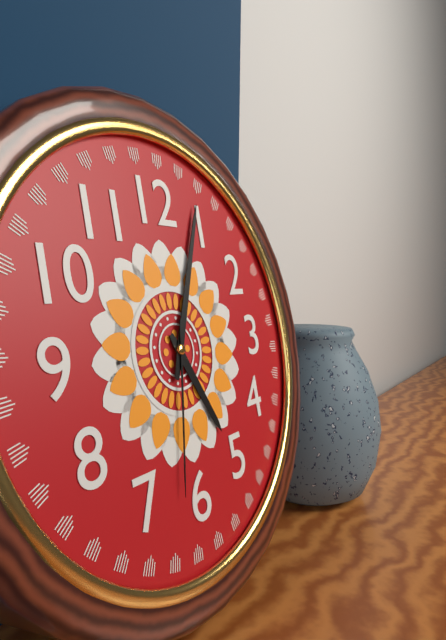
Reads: 5:04:32
